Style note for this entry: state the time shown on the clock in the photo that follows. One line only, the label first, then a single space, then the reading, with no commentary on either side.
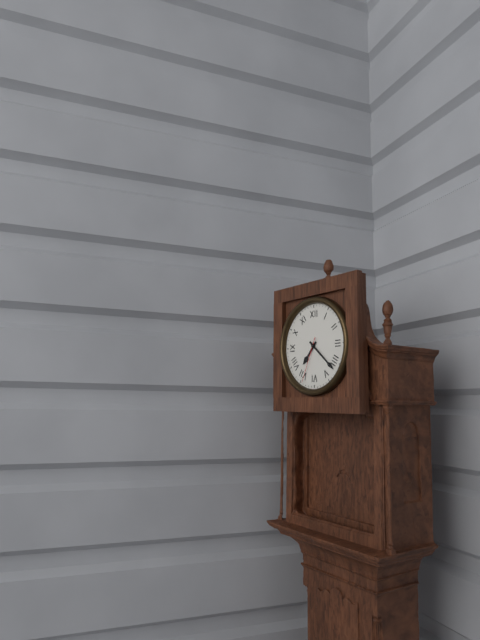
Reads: 7:22
